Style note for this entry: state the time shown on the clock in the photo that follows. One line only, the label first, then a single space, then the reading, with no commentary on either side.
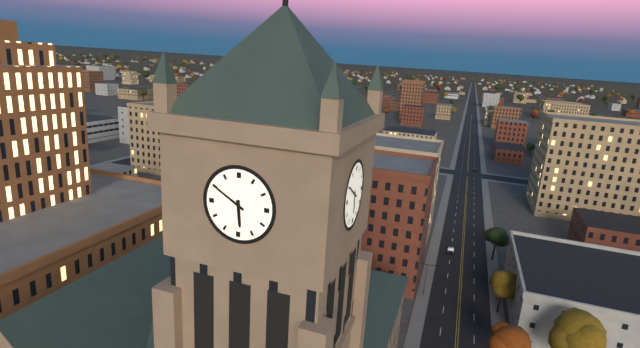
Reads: 5:50
